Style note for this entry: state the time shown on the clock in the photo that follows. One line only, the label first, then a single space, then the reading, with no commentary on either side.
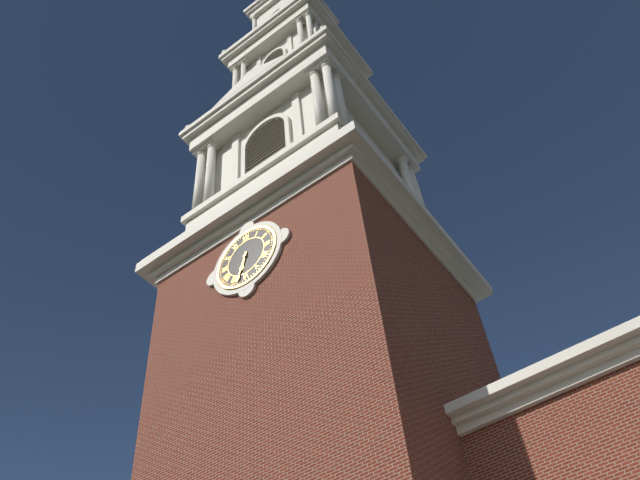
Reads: 6:33
